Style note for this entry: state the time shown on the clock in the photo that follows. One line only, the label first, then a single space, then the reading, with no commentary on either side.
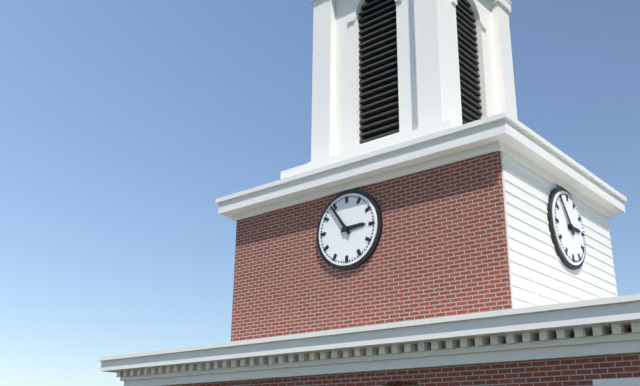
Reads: 2:54
